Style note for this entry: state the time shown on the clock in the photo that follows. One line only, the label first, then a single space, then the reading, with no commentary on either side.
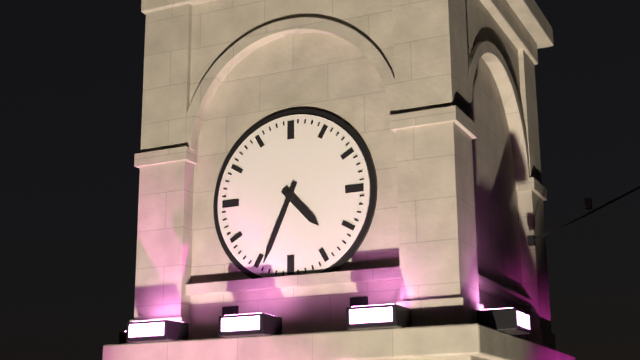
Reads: 4:34
